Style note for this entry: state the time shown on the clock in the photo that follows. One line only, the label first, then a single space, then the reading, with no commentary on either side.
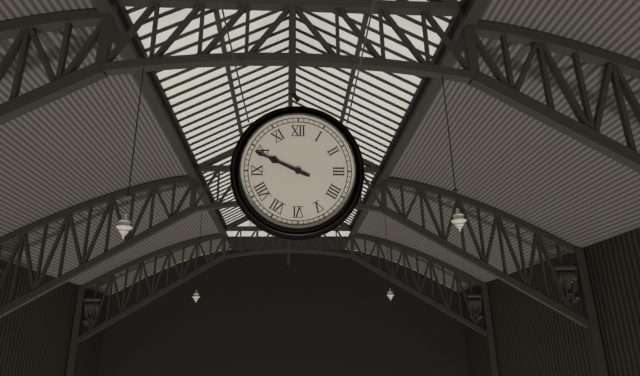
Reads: 9:49
